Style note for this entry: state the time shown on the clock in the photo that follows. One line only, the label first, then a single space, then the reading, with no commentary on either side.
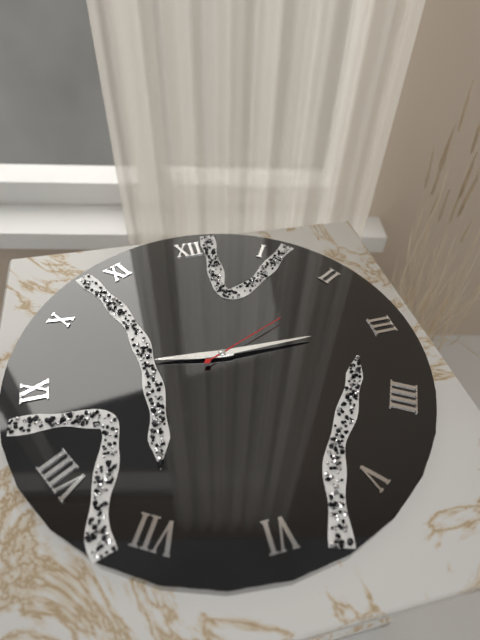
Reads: 9:15:11
